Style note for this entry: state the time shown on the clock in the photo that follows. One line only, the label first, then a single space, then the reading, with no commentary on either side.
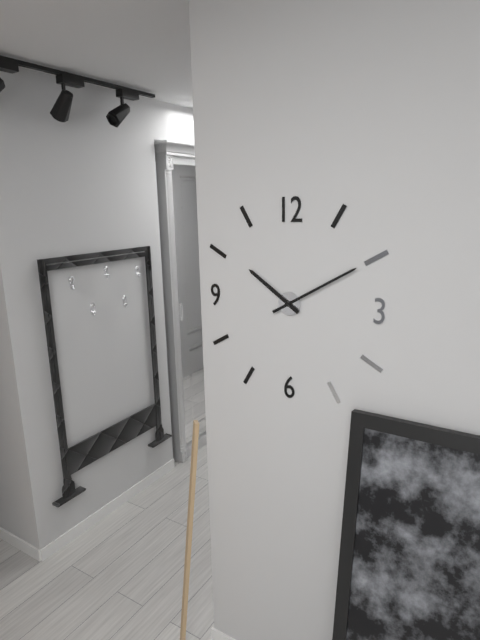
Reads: 10:10
